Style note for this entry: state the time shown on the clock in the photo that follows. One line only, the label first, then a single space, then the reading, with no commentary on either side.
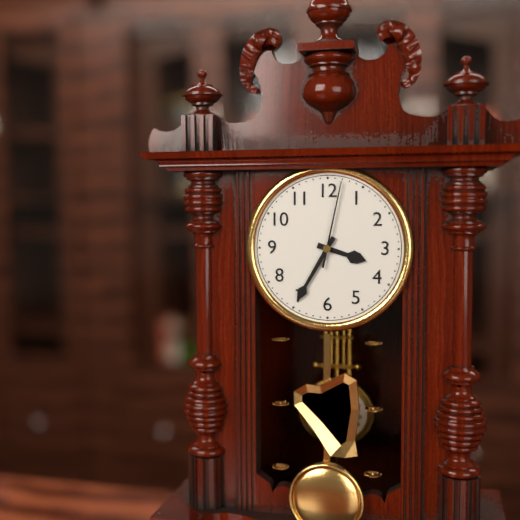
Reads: 3:35:02
